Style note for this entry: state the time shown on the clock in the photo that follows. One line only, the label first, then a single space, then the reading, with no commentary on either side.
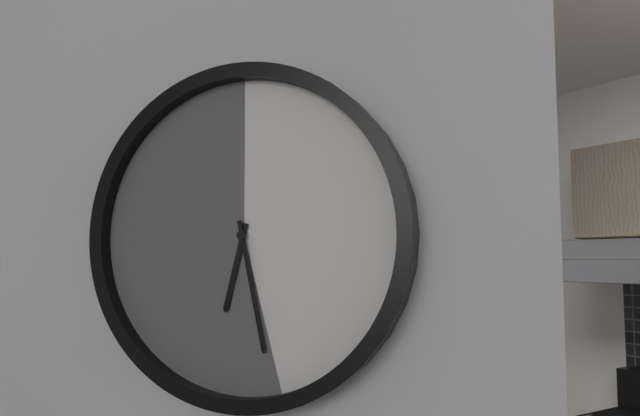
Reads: 6:28
